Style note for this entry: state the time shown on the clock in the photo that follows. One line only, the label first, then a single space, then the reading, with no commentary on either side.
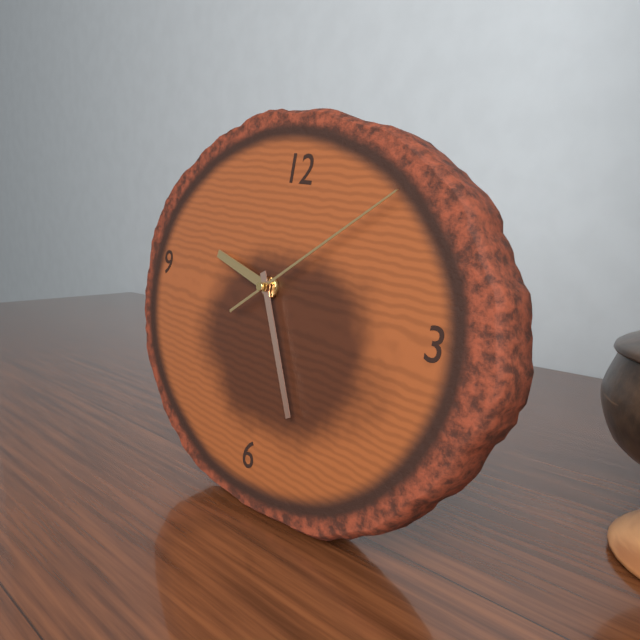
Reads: 9:25:09
